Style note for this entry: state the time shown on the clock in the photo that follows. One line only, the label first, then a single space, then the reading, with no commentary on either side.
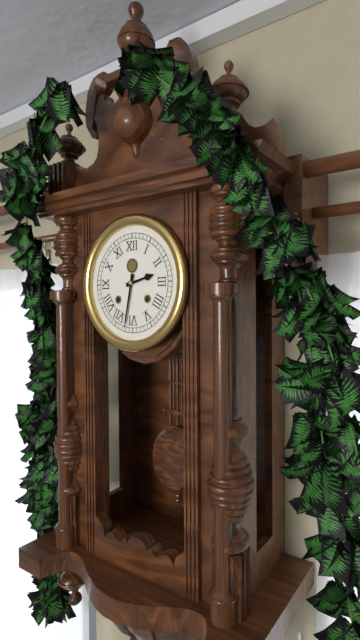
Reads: 2:32
